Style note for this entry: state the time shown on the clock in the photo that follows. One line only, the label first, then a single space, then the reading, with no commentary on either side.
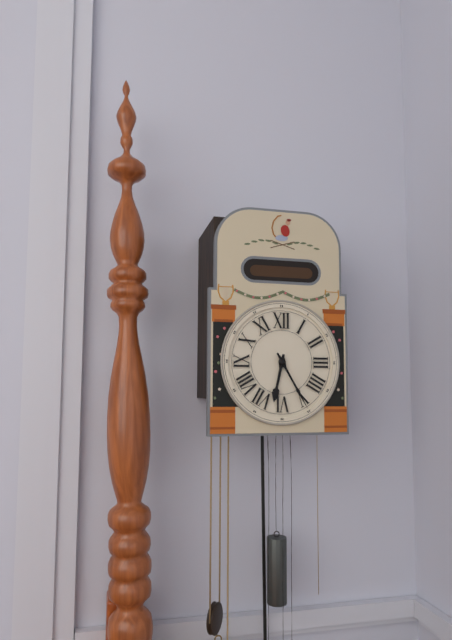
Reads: 6:25
